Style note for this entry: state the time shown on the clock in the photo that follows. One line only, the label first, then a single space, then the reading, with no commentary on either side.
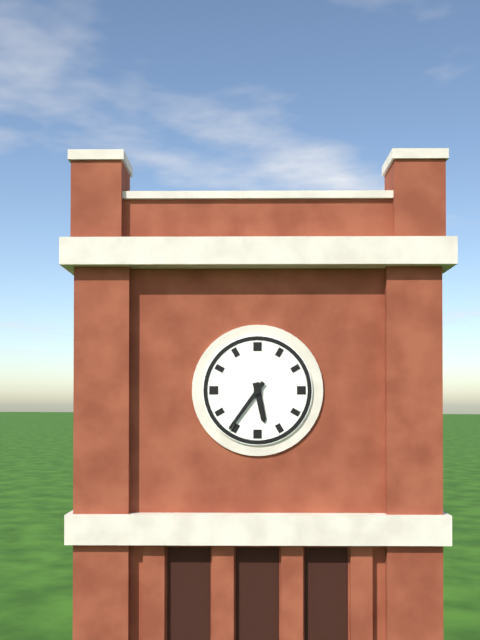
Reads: 5:36
